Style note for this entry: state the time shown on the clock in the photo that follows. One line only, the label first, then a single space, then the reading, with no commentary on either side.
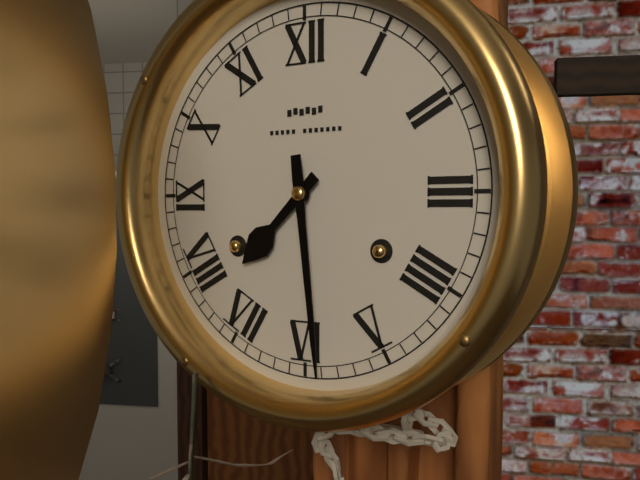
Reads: 7:29
